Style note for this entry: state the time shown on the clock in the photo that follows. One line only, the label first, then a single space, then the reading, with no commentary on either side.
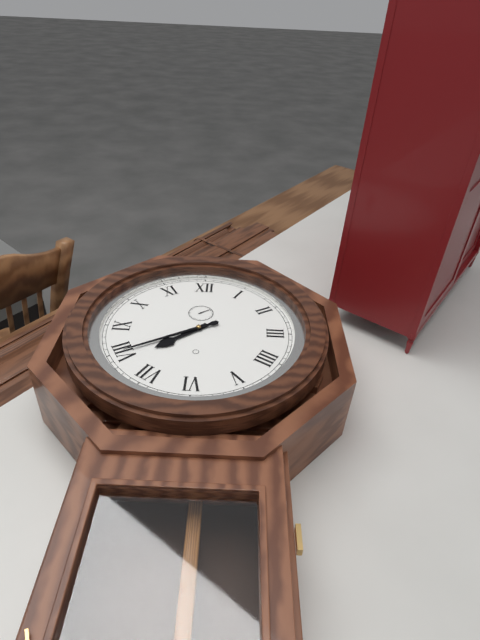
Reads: 7:40
